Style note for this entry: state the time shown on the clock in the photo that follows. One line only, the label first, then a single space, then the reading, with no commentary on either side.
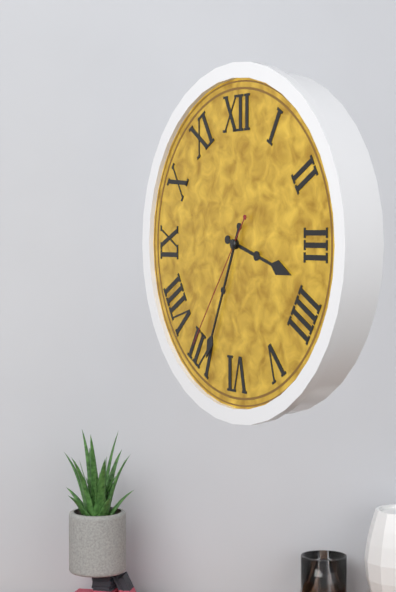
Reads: 3:34:36
